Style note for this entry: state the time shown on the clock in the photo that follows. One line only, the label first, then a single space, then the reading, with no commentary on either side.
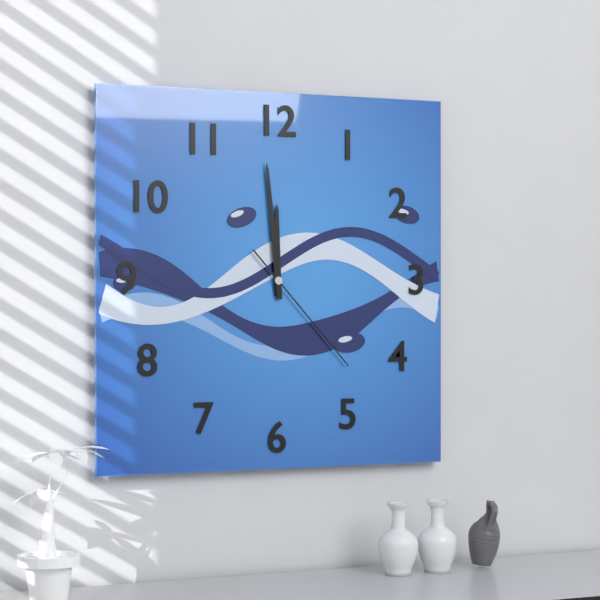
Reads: 11:59:23
